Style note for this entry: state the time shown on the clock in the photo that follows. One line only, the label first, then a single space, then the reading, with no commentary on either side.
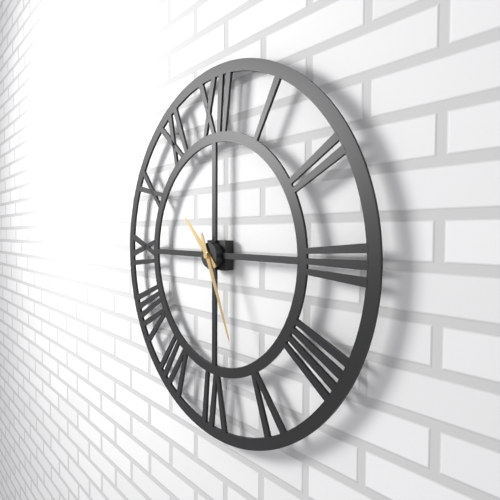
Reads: 10:26
